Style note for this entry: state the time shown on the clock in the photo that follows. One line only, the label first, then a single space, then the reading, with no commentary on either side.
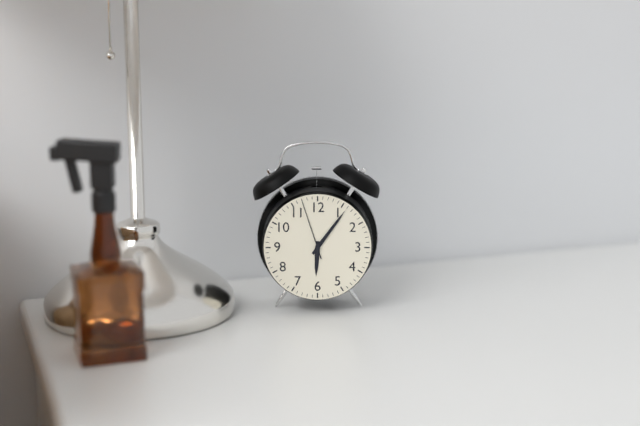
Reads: 6:06:57
